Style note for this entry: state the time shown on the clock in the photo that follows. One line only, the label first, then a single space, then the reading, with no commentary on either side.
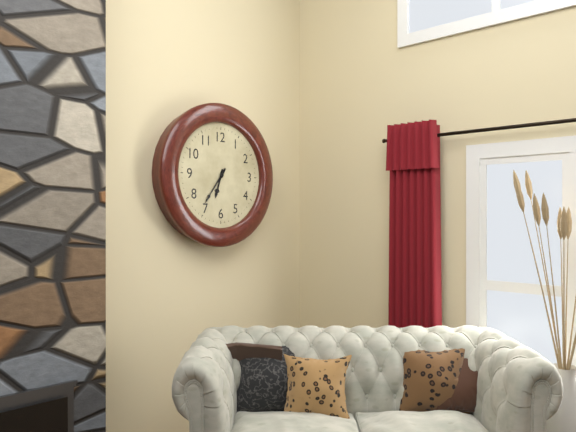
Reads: 6:36
